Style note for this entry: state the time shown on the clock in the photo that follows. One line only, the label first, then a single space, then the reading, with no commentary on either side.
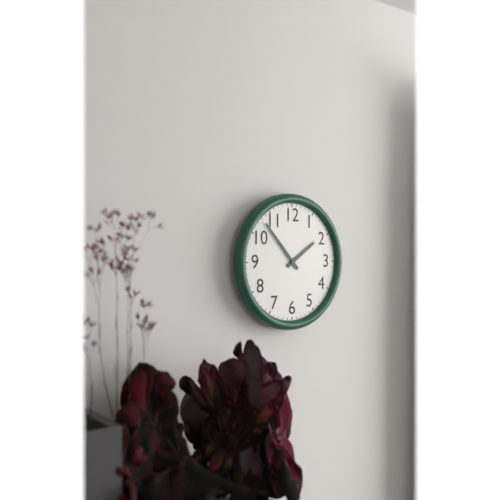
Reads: 1:53
